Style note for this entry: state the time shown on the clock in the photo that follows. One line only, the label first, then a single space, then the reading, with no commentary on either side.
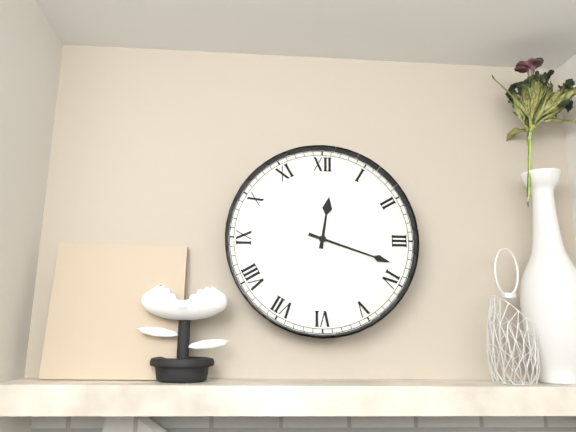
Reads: 12:18
